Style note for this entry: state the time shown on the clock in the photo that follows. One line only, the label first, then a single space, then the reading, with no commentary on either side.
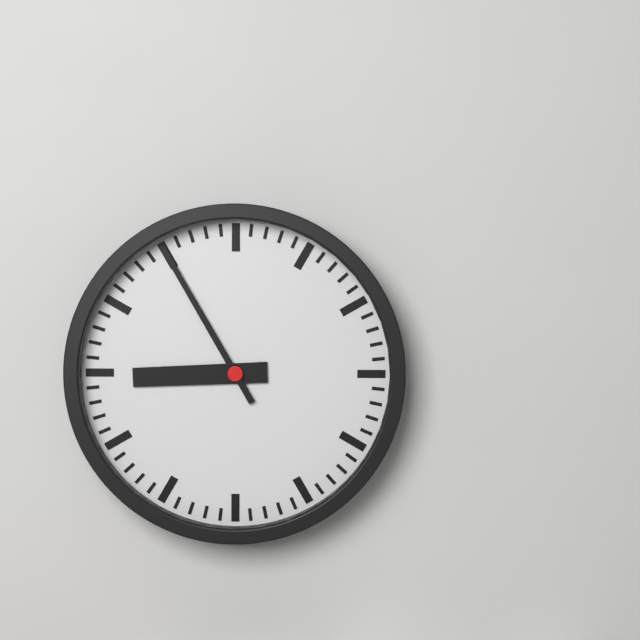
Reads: 8:55
